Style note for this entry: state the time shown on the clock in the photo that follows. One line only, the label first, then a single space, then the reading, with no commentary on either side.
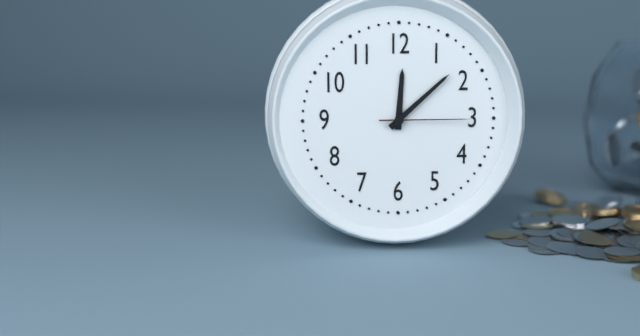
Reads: 12:08:15
